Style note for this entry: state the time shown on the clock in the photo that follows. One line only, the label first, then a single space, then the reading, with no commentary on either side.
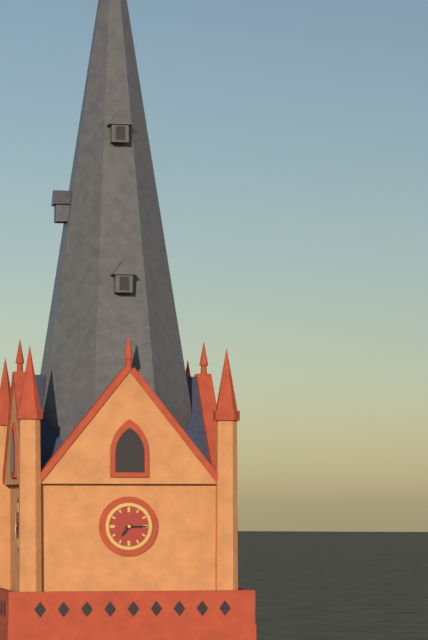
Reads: 7:15
